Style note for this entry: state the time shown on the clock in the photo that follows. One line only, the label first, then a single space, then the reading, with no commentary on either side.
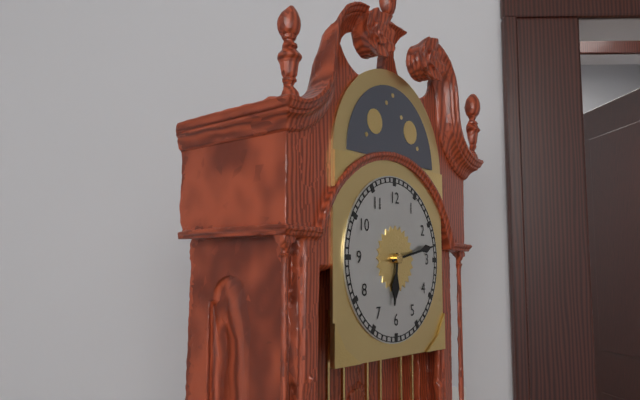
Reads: 6:13
